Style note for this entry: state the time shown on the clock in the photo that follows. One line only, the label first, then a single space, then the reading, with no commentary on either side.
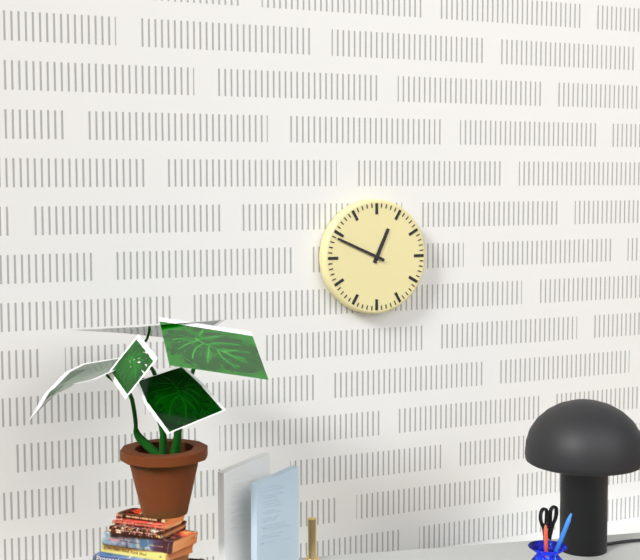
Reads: 12:49
